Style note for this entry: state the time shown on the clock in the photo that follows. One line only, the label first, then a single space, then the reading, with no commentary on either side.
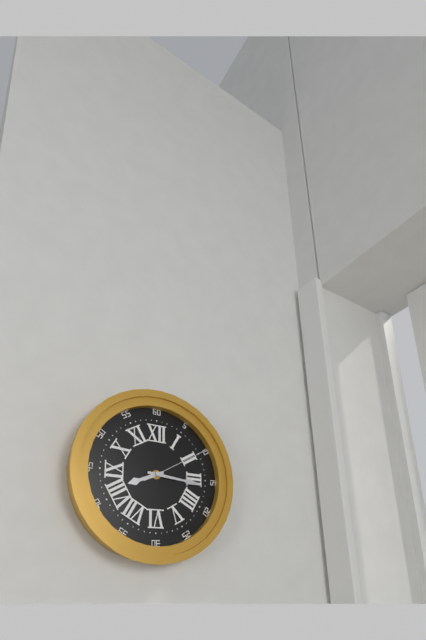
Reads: 8:16:10
